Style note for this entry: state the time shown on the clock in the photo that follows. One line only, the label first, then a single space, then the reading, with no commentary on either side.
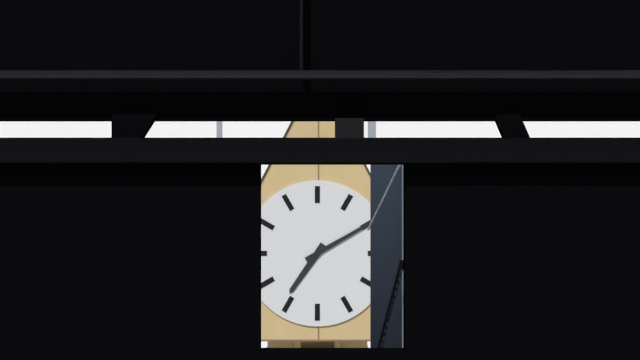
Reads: 7:10
